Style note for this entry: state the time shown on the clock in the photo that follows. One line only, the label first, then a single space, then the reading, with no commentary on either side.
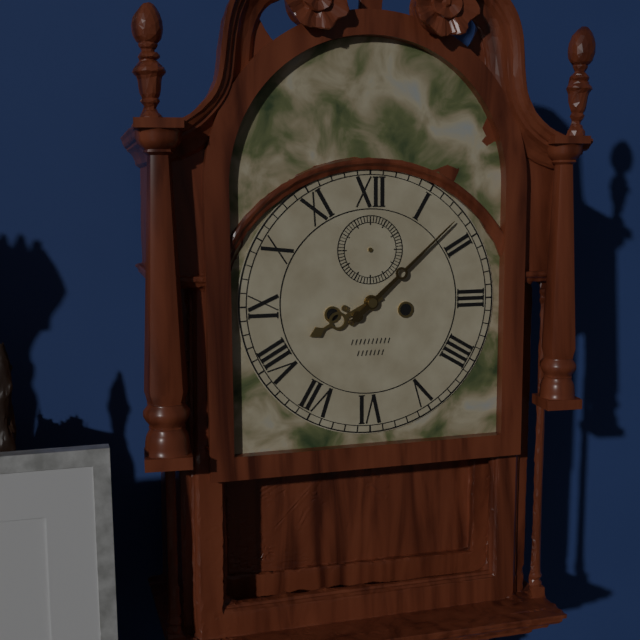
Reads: 8:08
